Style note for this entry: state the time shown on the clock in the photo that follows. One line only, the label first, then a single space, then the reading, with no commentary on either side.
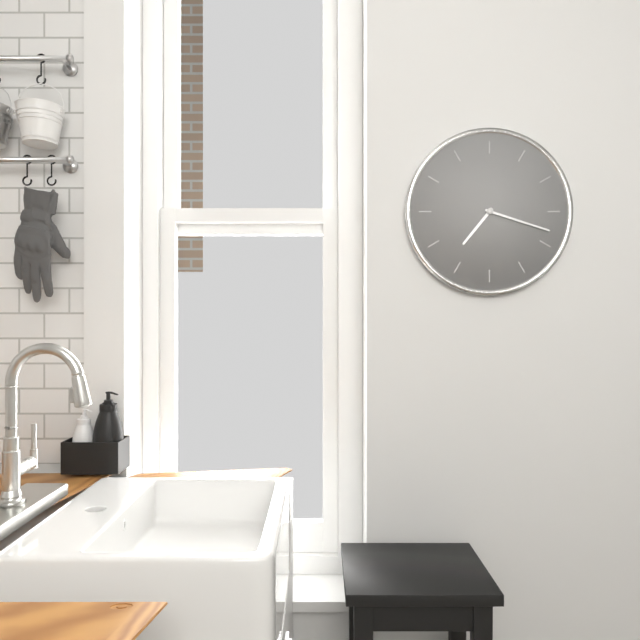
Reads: 7:18
